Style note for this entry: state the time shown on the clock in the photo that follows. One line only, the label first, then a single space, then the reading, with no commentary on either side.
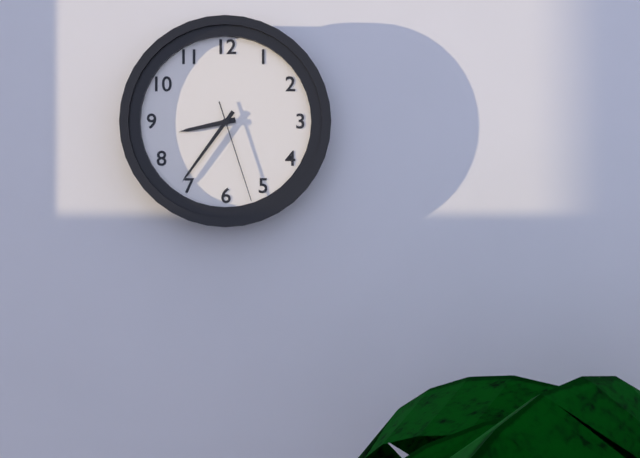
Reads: 8:36:27
